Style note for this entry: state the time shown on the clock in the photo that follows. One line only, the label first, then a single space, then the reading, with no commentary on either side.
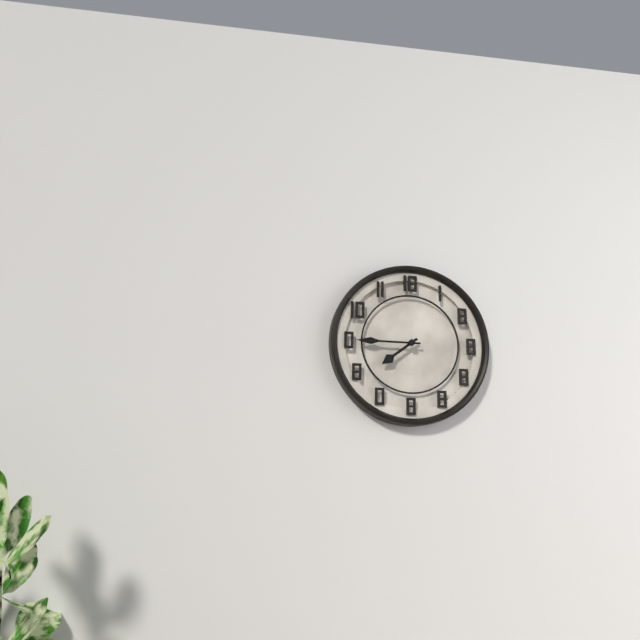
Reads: 7:45
